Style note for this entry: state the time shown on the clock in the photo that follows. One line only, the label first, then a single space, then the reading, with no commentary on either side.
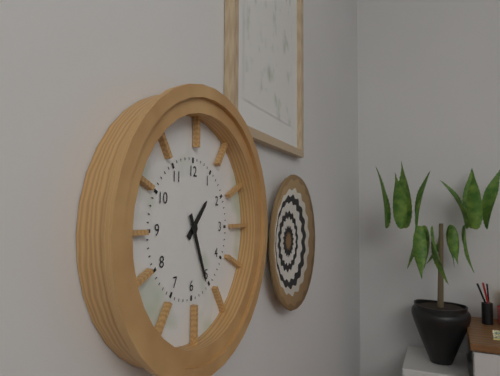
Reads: 1:26
